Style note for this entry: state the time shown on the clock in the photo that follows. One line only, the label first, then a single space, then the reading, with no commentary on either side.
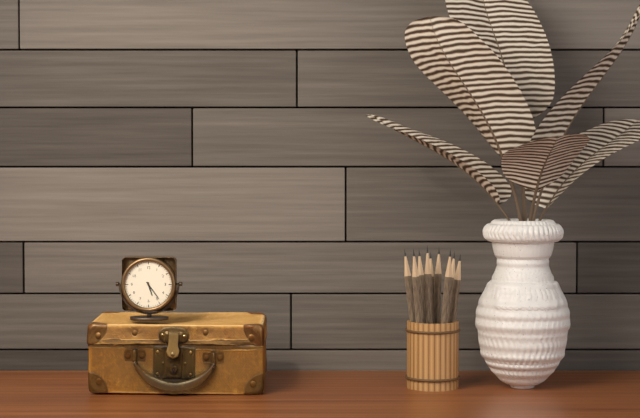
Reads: 5:24
